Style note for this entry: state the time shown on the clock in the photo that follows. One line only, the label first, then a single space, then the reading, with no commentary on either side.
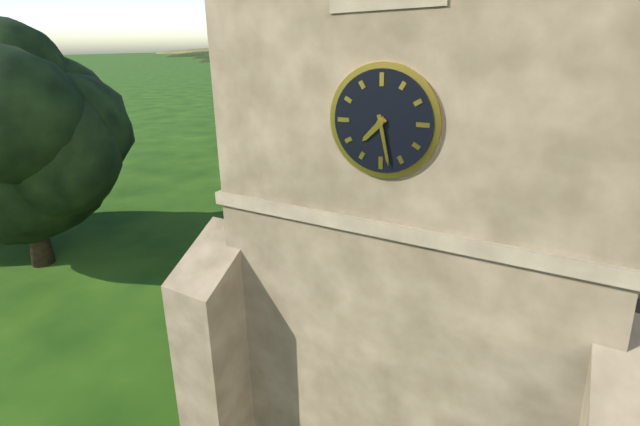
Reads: 7:28
